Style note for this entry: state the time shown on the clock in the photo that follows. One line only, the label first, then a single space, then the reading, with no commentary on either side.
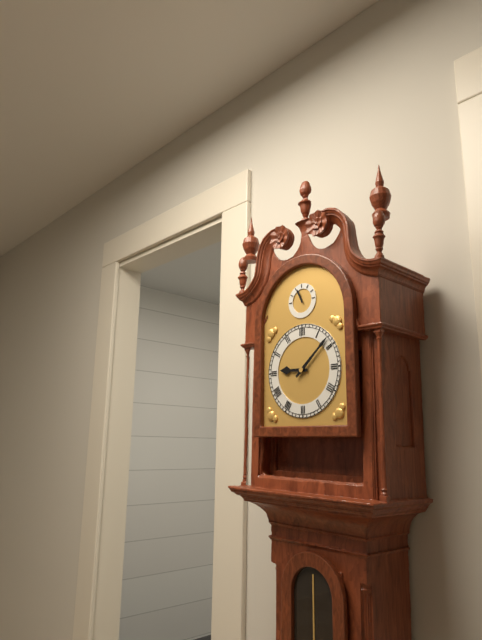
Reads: 9:08
